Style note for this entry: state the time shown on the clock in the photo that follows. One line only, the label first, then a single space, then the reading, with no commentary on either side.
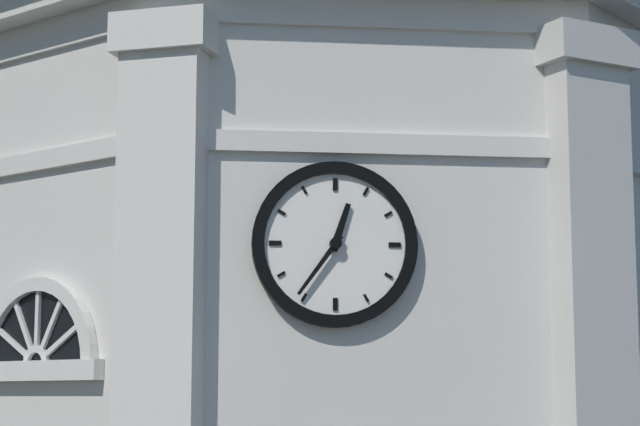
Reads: 12:36
